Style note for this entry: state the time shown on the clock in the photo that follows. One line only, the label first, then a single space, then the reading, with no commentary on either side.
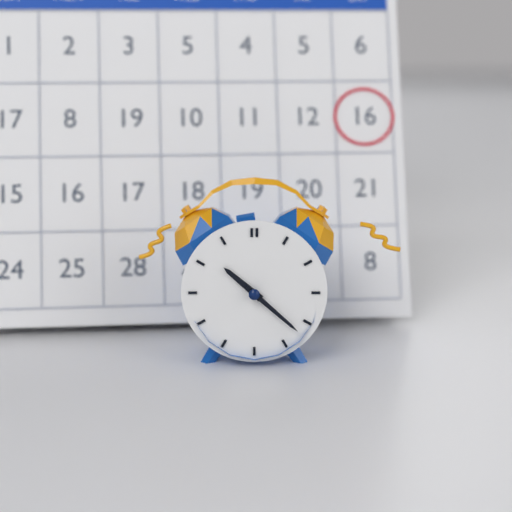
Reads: 10:22
